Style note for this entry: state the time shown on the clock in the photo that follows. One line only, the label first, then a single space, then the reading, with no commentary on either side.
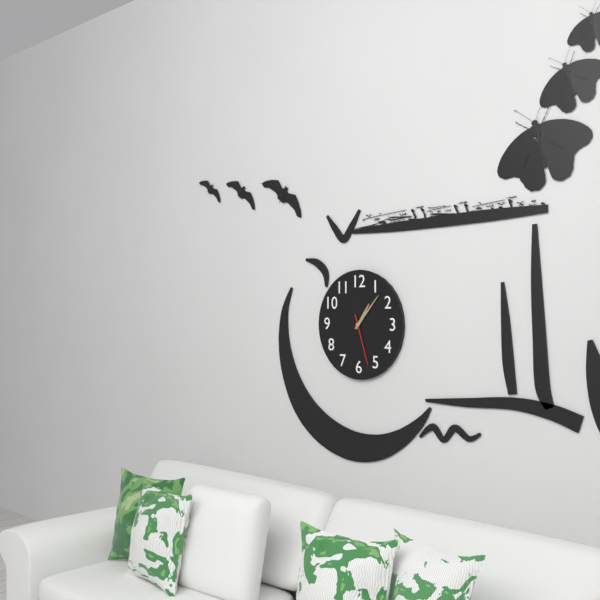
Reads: 1:07:27
